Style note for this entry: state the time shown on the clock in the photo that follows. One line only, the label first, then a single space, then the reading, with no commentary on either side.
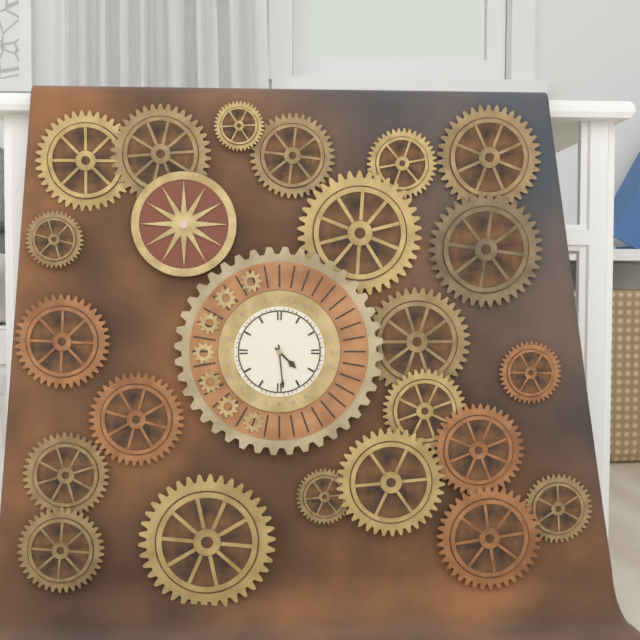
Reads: 4:29
